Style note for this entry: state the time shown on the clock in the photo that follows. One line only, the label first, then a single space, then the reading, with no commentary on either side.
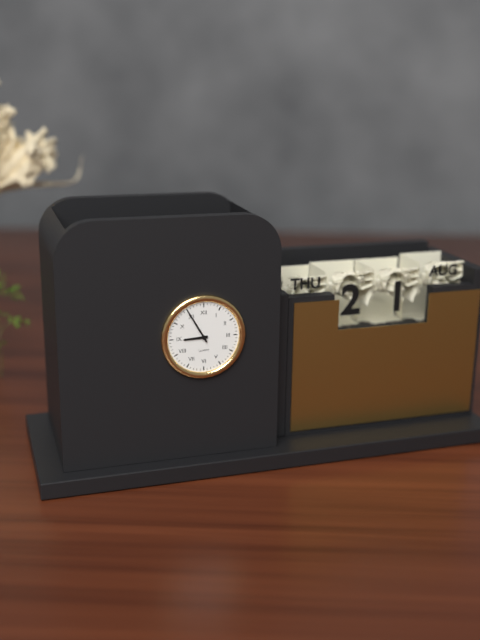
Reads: 8:55
